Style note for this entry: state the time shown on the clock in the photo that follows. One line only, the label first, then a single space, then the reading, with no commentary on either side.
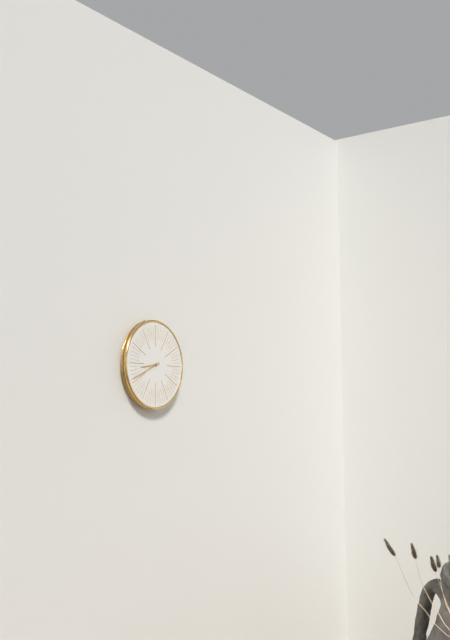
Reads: 8:41
